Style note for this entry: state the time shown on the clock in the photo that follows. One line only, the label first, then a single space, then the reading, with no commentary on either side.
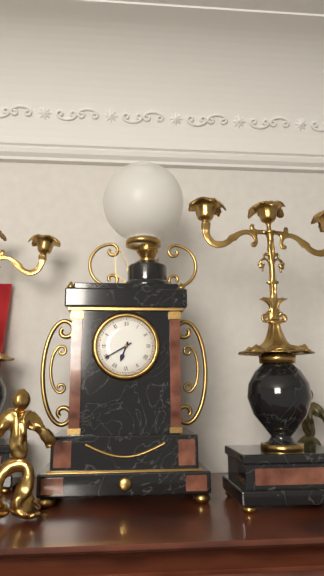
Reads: 6:40
